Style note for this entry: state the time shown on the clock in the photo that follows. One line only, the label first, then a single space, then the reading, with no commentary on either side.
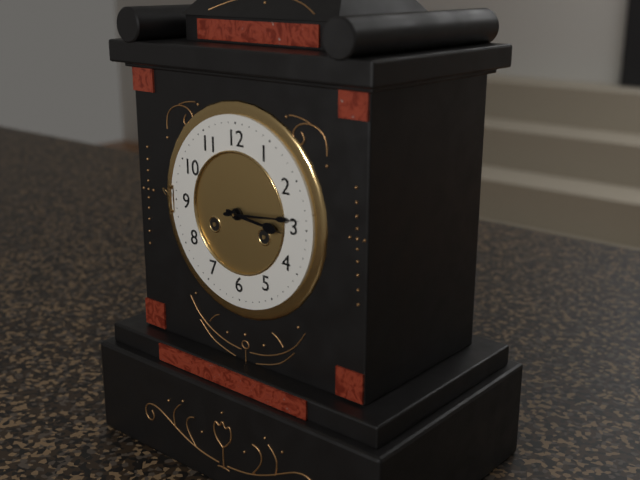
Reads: 3:14
